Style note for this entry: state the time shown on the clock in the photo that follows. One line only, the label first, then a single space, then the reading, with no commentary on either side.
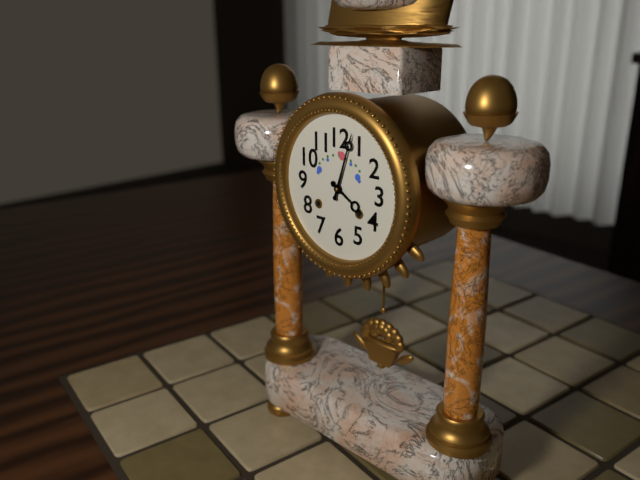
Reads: 4:03
